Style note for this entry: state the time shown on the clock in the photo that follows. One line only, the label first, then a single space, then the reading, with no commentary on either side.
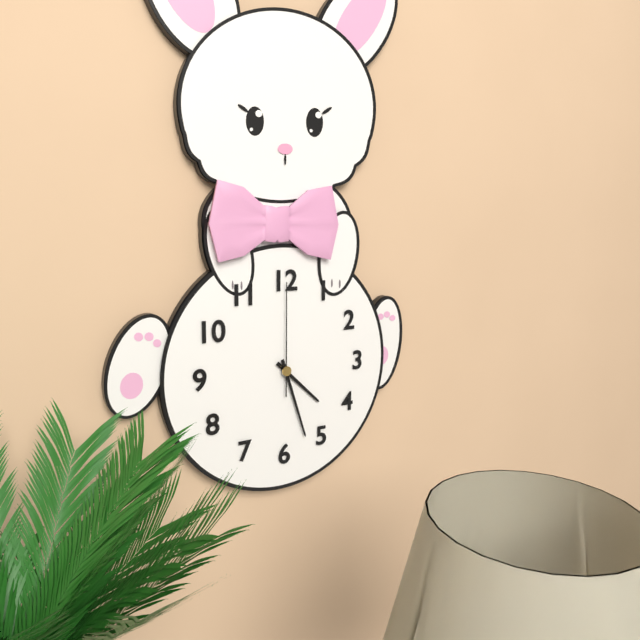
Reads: 4:27:00
